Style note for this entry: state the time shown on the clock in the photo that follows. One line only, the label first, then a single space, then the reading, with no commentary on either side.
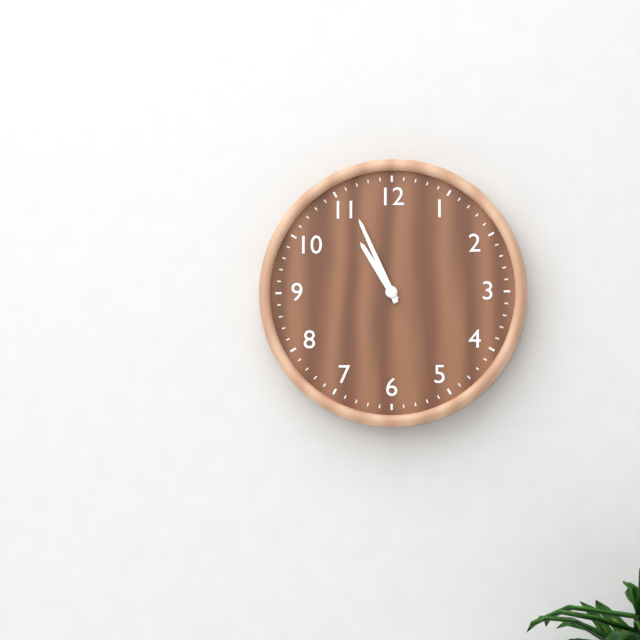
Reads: 10:56
